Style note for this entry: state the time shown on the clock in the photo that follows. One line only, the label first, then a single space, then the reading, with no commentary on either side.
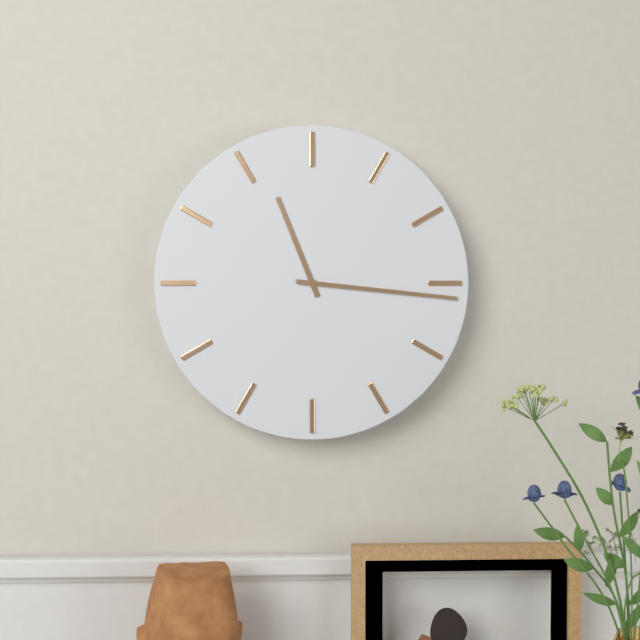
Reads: 11:16
